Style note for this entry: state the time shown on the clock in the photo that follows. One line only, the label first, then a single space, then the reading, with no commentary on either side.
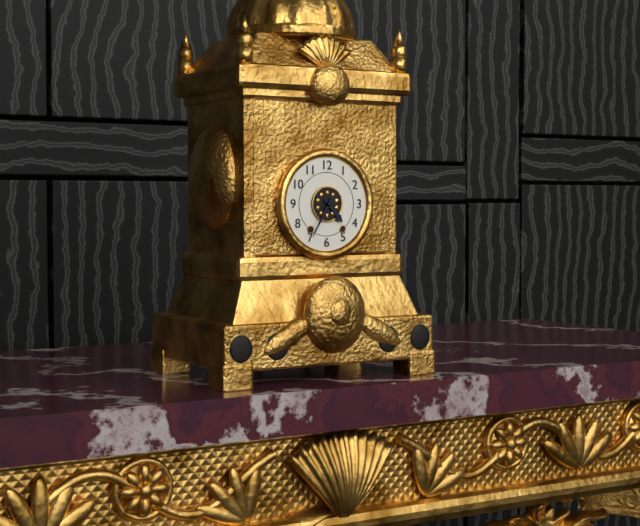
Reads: 4:35
